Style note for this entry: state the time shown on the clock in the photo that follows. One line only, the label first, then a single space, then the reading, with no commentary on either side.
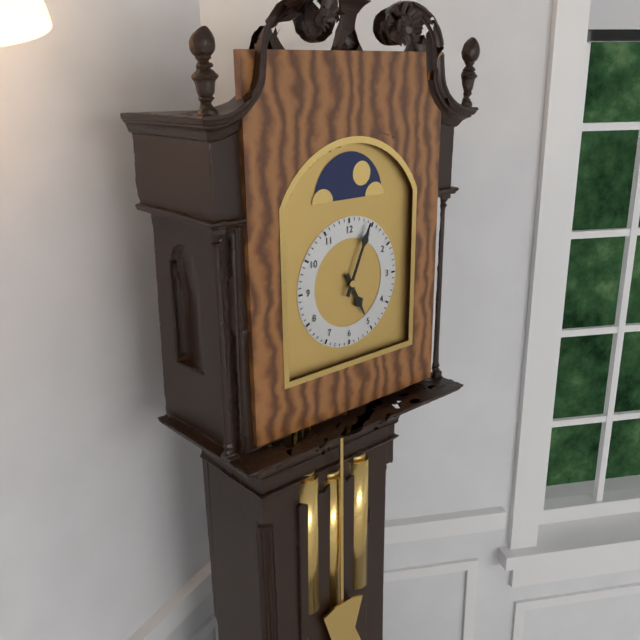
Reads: 5:04
